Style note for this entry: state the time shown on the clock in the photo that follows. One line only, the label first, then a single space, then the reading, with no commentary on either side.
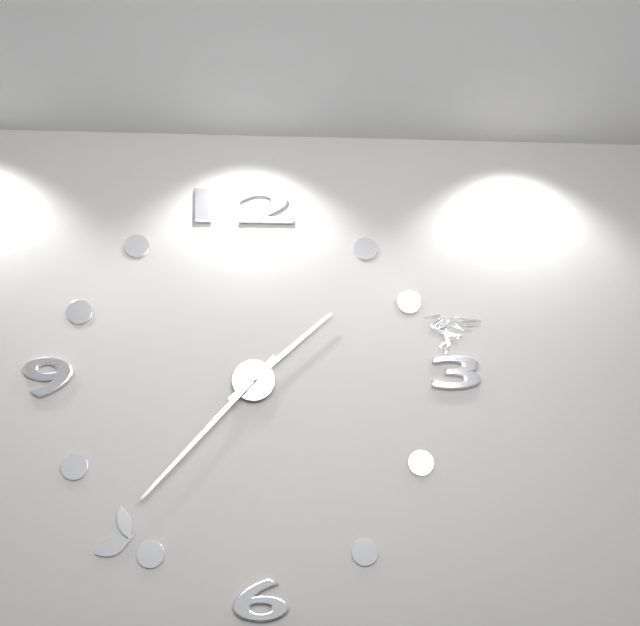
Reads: 1:37
